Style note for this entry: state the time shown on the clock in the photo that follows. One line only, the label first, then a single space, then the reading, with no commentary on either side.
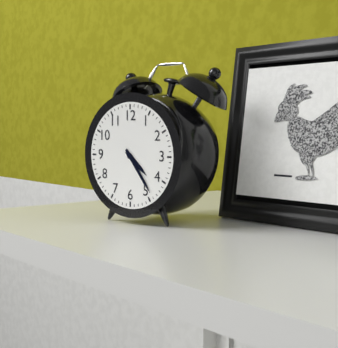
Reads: 4:24
